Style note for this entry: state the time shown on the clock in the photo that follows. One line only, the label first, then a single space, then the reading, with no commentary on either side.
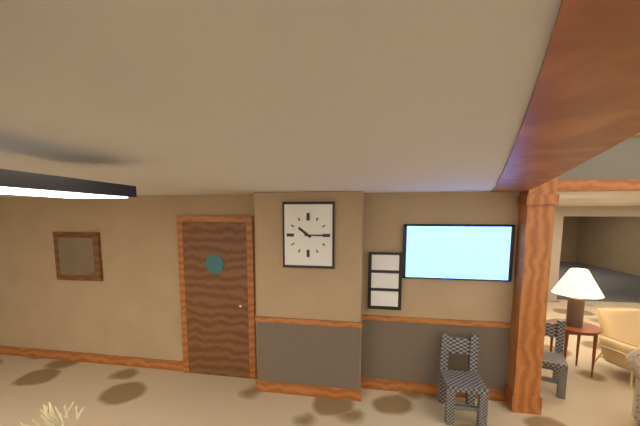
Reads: 10:15
